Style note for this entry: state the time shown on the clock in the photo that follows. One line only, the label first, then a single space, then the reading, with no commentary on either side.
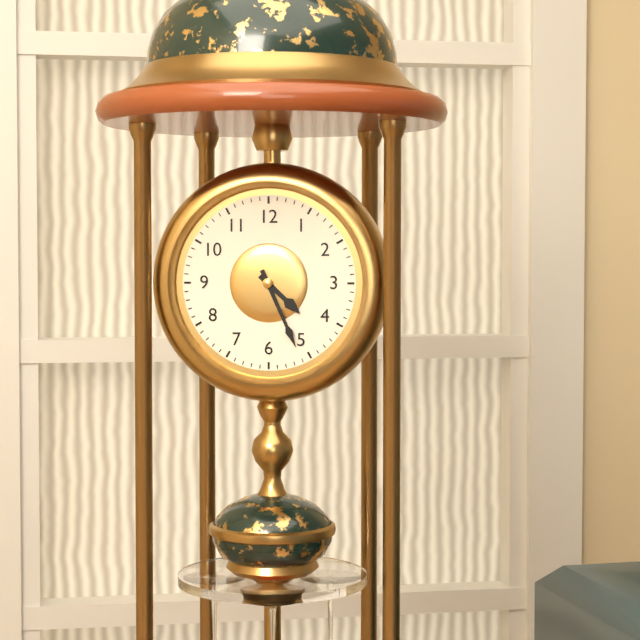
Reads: 4:26
